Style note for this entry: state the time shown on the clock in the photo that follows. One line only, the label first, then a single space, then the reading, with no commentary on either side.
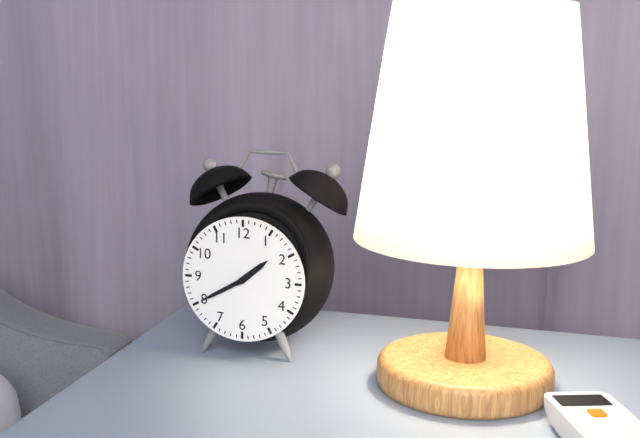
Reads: 1:40
